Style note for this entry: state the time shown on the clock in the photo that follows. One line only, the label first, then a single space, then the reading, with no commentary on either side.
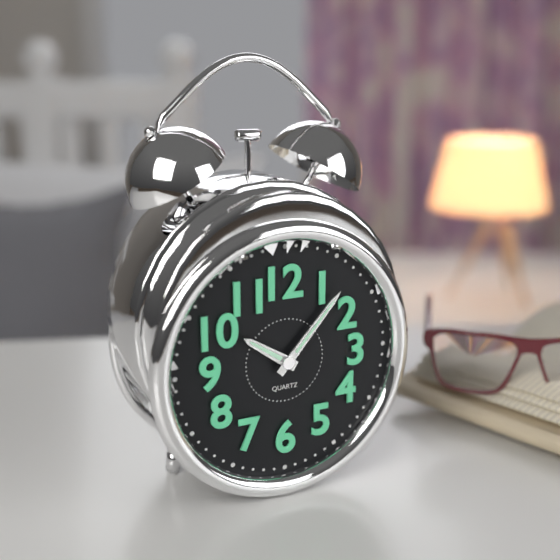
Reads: 10:07
